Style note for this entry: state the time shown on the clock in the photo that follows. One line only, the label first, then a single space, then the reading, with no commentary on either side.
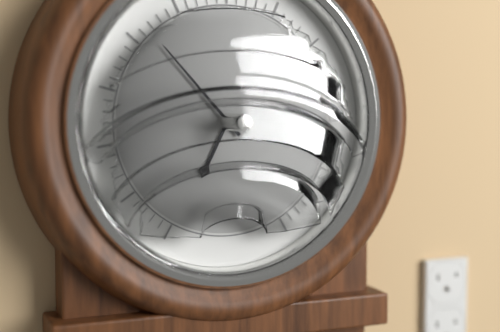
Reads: 6:53
